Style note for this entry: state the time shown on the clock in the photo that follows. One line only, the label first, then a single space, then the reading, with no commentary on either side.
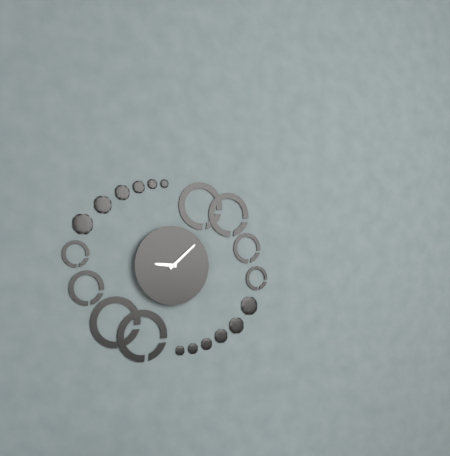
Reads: 9:08
